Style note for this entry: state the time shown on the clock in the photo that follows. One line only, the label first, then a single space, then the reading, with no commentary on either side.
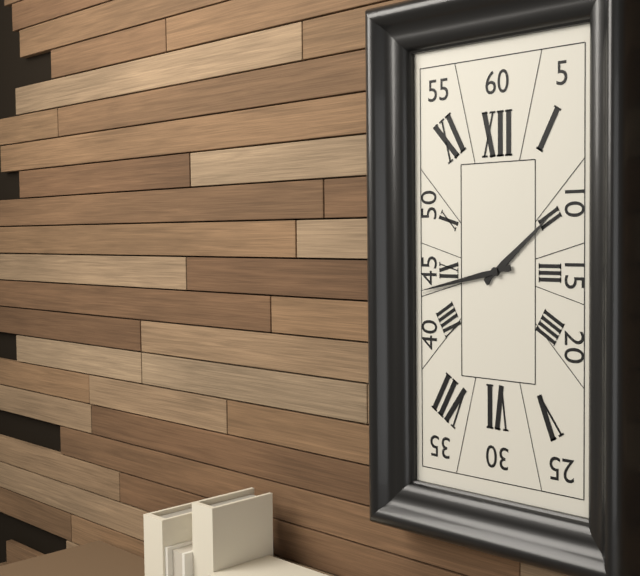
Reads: 1:43
